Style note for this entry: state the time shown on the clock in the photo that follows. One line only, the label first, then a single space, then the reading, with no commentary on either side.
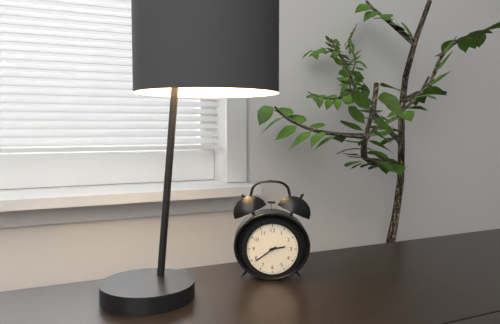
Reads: 2:39
